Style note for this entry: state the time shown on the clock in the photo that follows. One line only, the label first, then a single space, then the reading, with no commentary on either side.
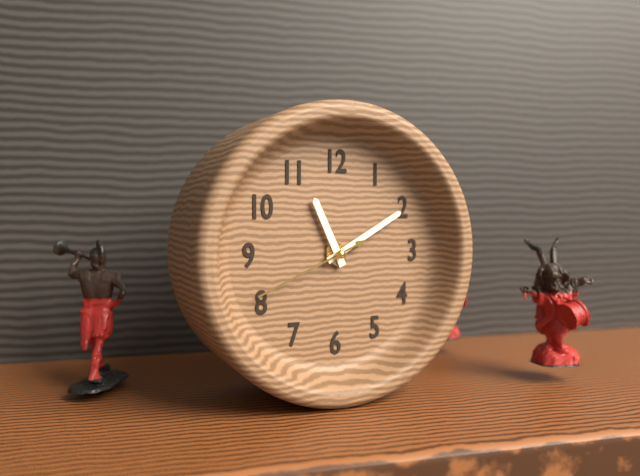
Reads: 11:10:41
